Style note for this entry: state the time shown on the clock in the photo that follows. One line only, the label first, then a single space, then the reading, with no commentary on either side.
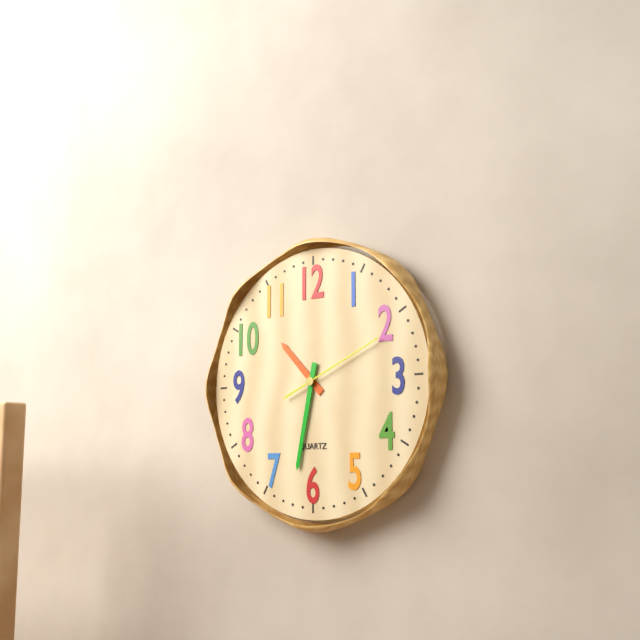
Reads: 10:32:11
